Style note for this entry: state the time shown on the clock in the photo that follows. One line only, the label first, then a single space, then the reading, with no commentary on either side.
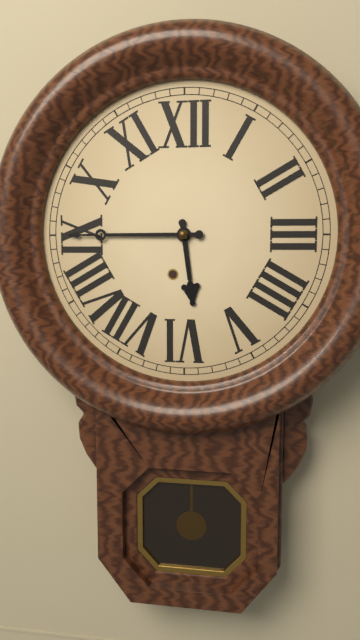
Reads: 5:45
